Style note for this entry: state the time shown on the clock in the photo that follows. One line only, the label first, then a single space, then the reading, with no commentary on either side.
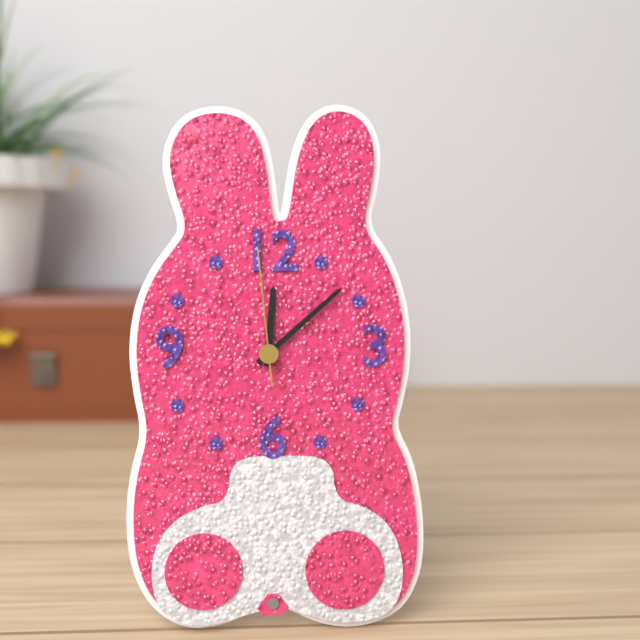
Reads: 12:08:59
